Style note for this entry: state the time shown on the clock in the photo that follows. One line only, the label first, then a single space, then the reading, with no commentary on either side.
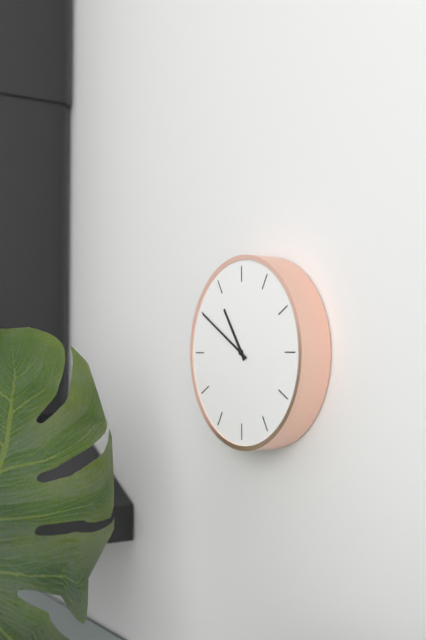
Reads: 10:50
